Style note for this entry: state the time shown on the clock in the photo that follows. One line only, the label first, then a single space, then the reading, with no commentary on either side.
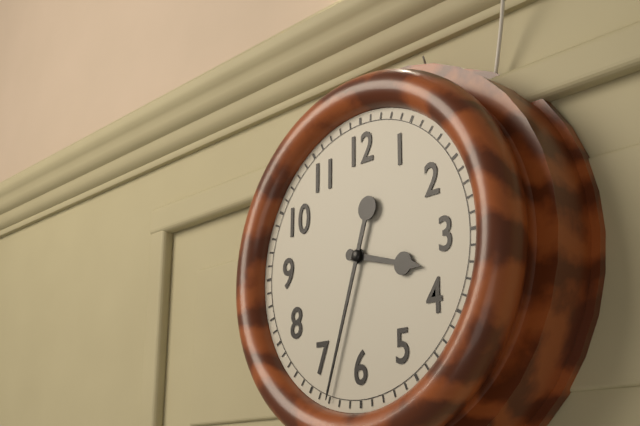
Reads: 3:33
